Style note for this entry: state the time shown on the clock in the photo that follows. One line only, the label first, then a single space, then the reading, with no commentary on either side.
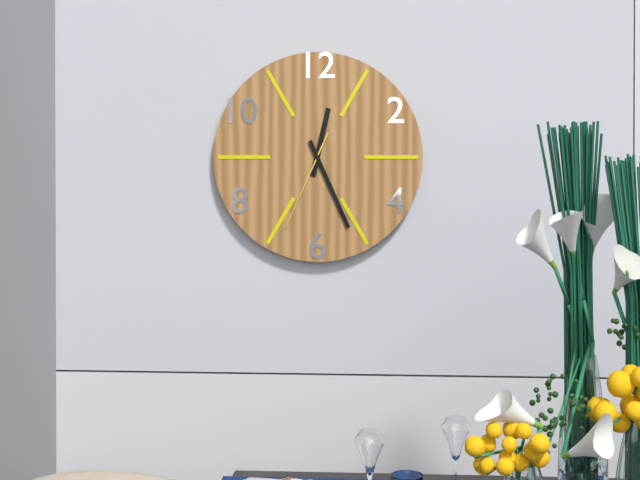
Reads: 12:26:34
